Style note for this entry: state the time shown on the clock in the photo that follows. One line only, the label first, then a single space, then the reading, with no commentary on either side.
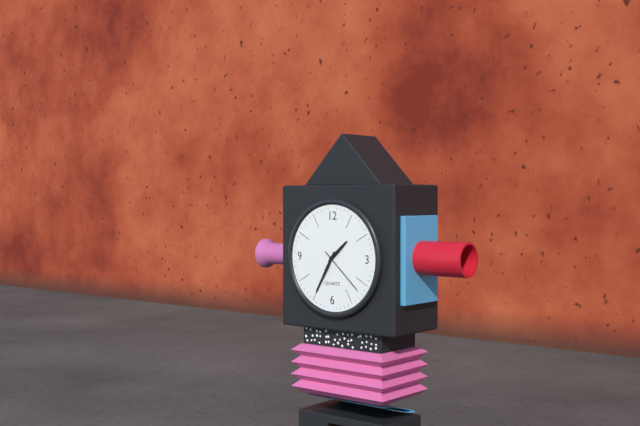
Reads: 1:35:22
